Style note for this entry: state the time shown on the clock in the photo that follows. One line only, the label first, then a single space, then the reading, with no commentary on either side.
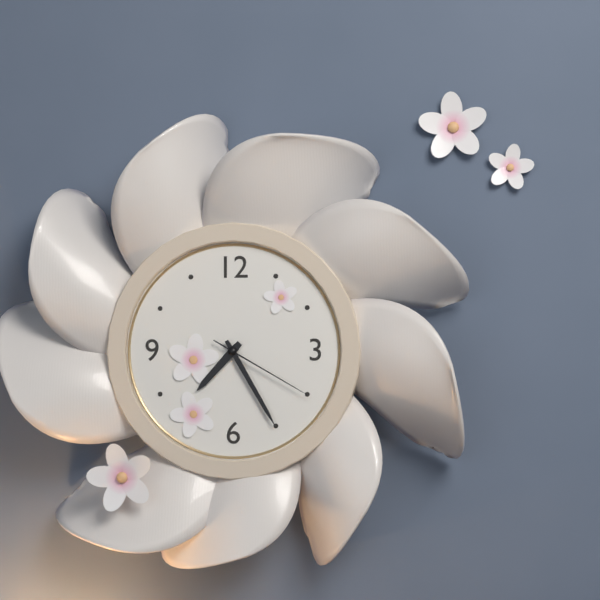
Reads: 7:25:20
